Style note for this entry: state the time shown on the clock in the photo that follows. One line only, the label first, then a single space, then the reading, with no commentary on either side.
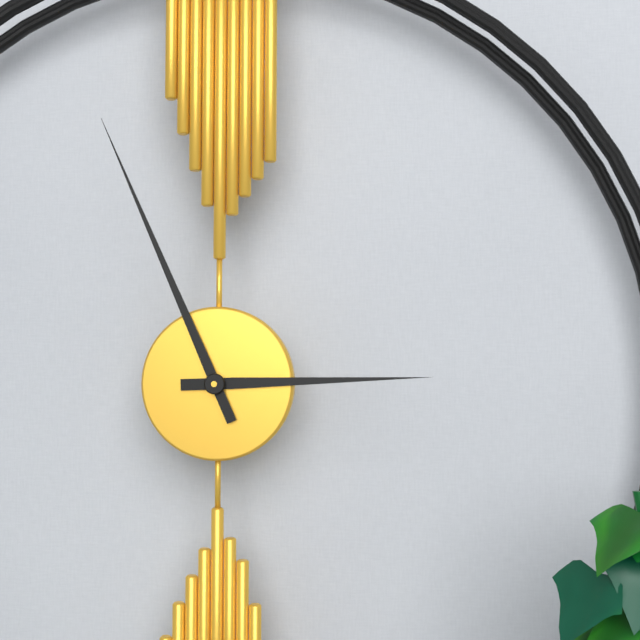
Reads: 2:56
